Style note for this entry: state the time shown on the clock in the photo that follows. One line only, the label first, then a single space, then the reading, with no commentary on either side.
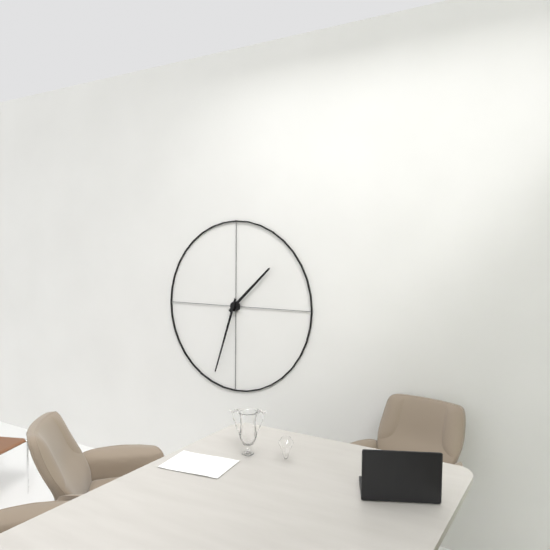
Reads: 1:33
